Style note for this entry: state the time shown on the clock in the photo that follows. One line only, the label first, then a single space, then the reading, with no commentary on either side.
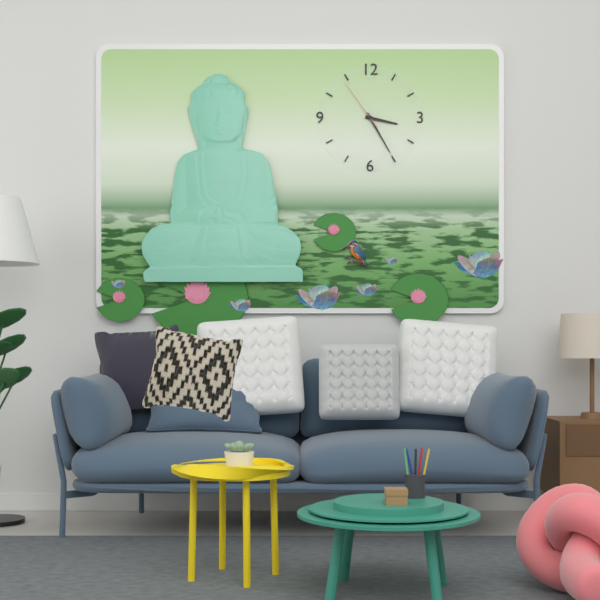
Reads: 3:25:54
